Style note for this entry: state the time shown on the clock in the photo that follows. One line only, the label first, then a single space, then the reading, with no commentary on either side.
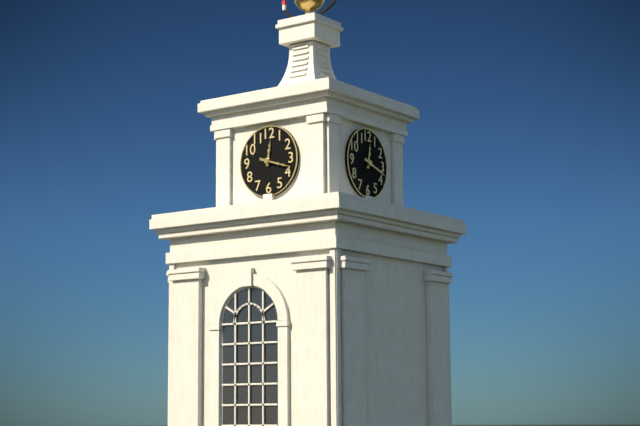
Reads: 12:18
